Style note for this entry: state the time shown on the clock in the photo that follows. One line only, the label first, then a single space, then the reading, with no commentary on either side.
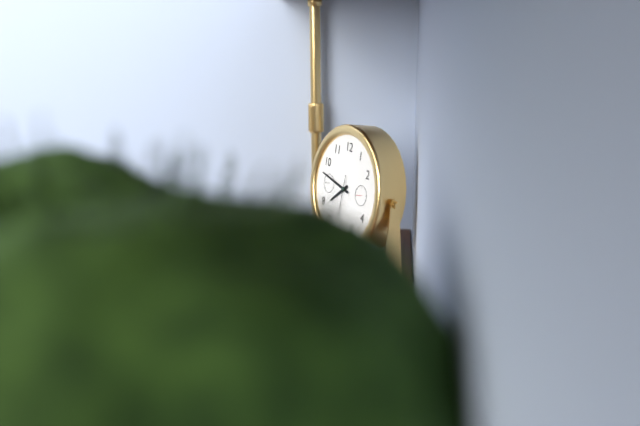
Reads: 7:47
